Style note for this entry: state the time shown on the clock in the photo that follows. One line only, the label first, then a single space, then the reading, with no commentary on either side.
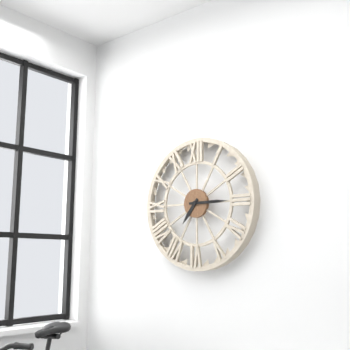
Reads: 7:15
